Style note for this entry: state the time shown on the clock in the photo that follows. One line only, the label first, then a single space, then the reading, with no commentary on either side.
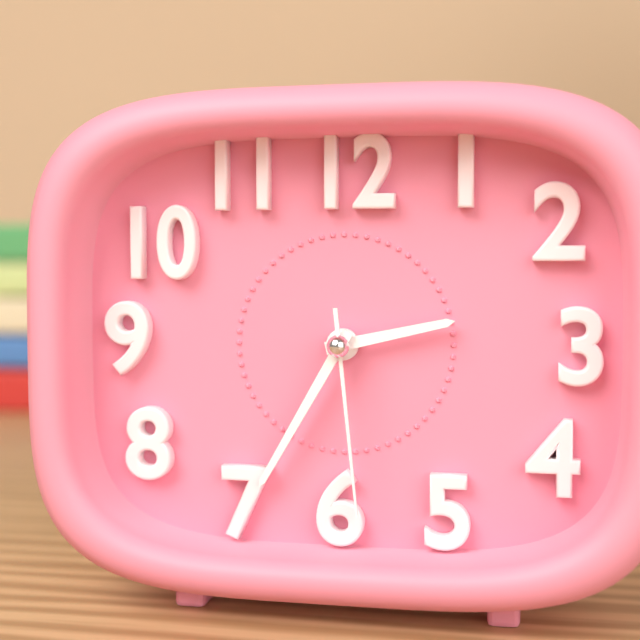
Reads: 2:35:29
